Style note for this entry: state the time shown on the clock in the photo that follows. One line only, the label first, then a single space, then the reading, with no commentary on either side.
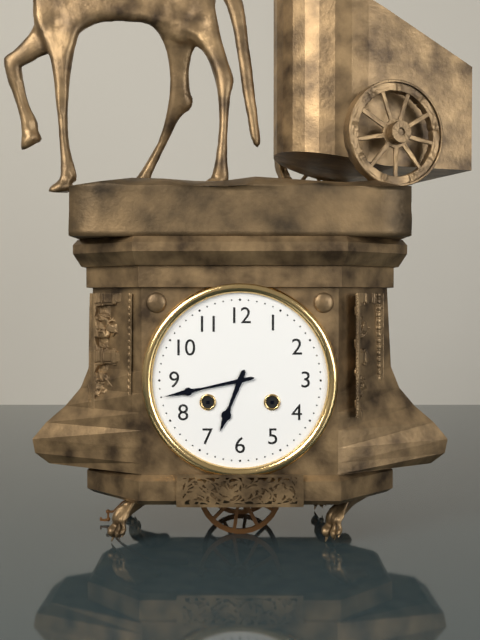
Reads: 6:43
